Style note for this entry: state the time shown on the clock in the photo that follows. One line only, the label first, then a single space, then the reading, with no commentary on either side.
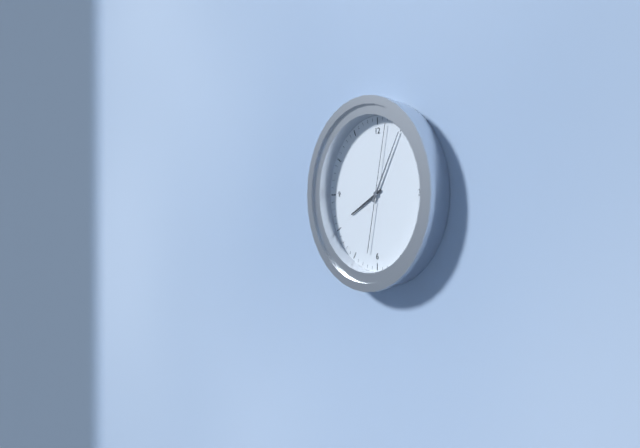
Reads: 8:05:02
